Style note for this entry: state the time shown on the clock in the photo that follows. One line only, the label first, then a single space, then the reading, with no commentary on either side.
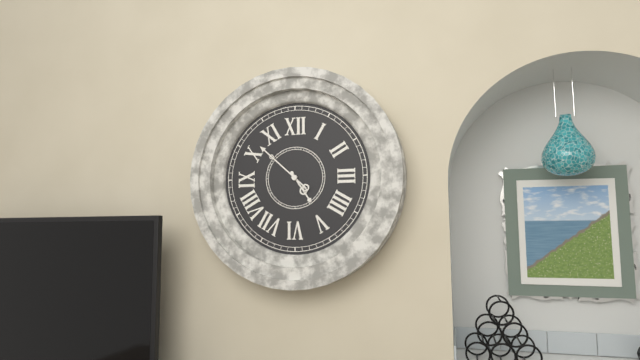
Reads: 4:52
